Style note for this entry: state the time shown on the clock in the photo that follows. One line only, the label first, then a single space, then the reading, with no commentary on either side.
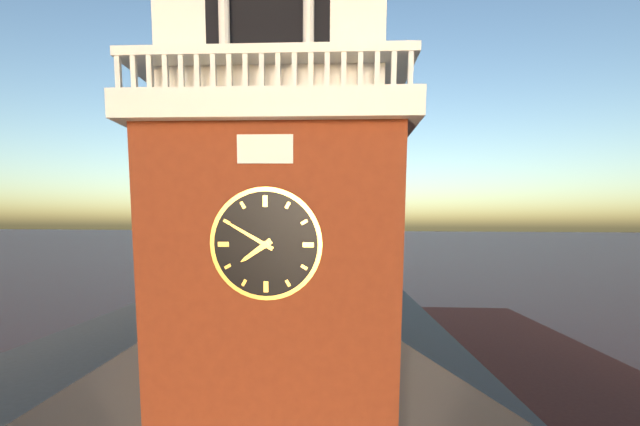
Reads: 7:50
